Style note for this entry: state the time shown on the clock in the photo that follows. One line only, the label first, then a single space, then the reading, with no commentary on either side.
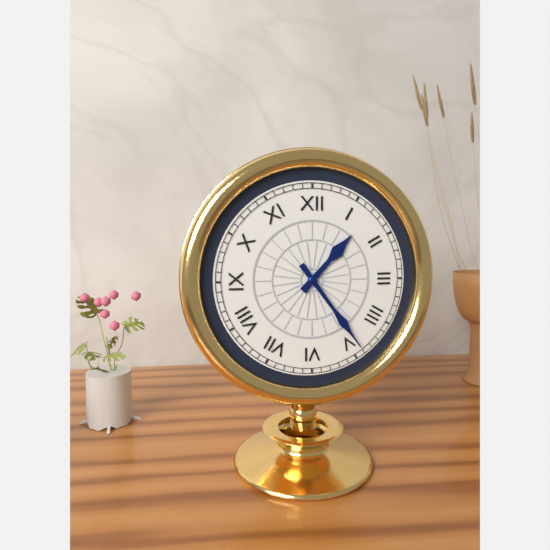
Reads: 1:24
